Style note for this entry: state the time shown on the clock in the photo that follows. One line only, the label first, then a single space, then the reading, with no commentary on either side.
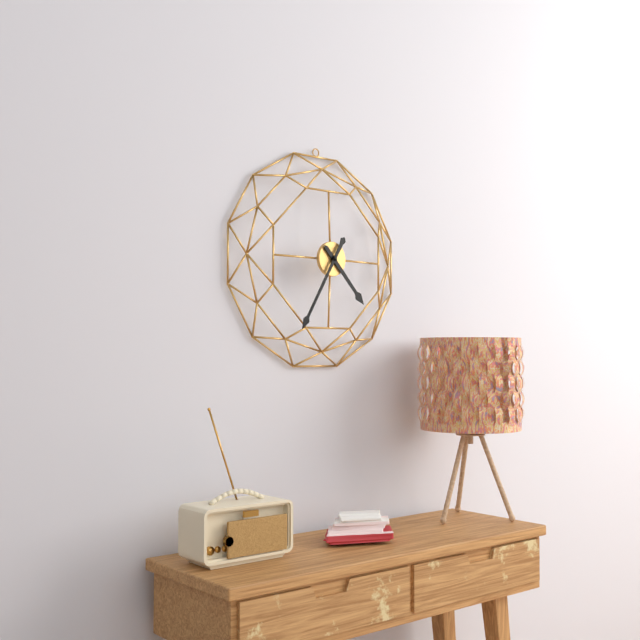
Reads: 4:35
